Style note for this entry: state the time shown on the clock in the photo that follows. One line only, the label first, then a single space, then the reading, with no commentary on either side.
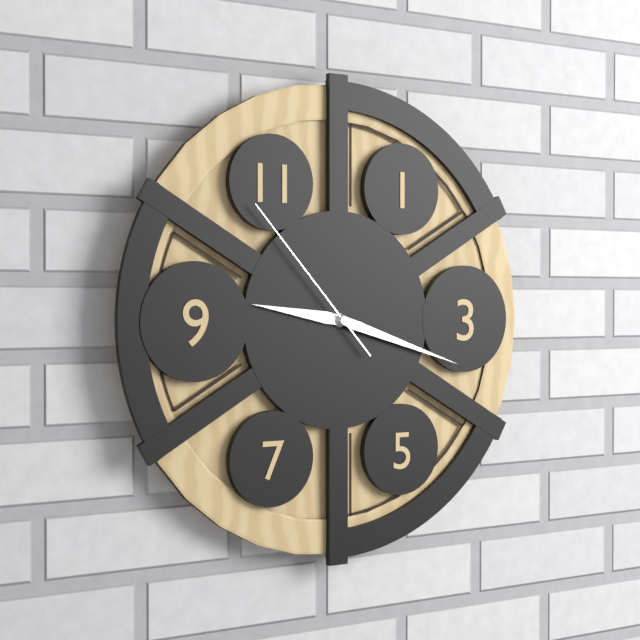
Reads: 9:18:53
